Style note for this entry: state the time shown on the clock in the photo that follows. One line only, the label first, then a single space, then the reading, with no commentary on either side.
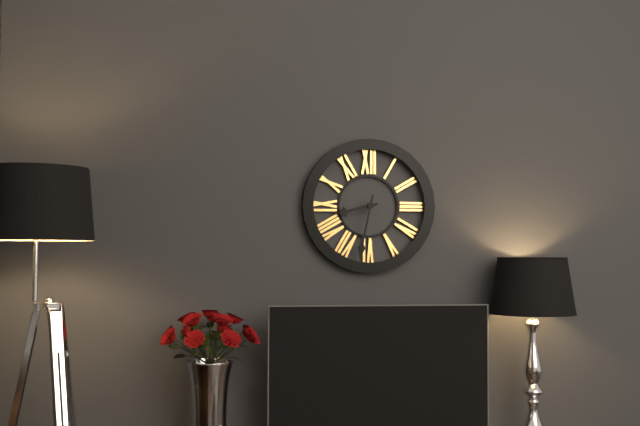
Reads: 8:32
